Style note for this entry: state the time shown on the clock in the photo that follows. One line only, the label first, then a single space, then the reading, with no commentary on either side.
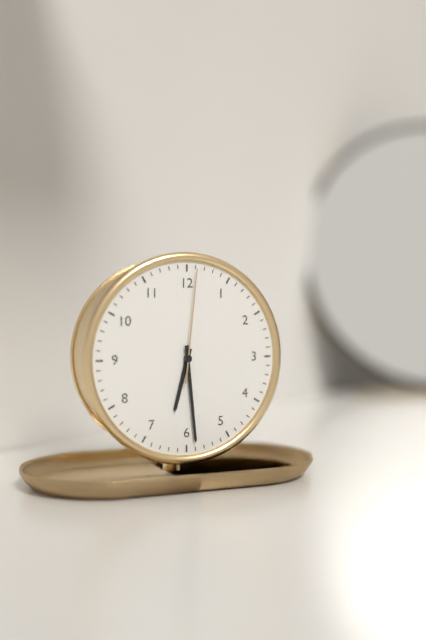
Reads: 6:29:01
